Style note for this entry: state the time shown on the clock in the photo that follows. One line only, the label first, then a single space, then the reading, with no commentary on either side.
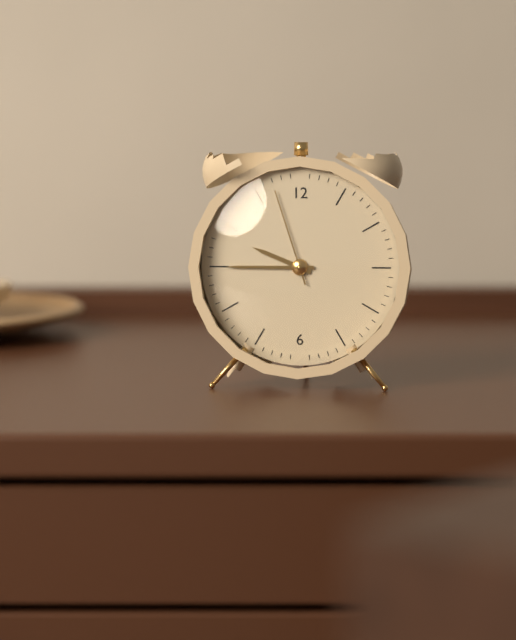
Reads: 9:45:57
